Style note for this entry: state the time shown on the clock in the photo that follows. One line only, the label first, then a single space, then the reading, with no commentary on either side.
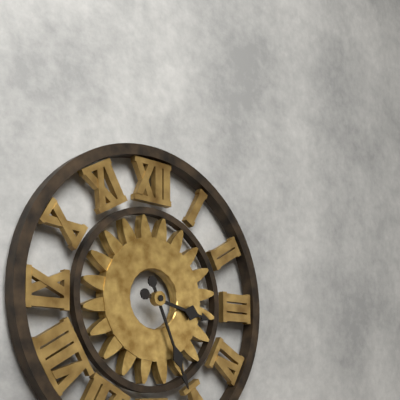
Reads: 3:26
